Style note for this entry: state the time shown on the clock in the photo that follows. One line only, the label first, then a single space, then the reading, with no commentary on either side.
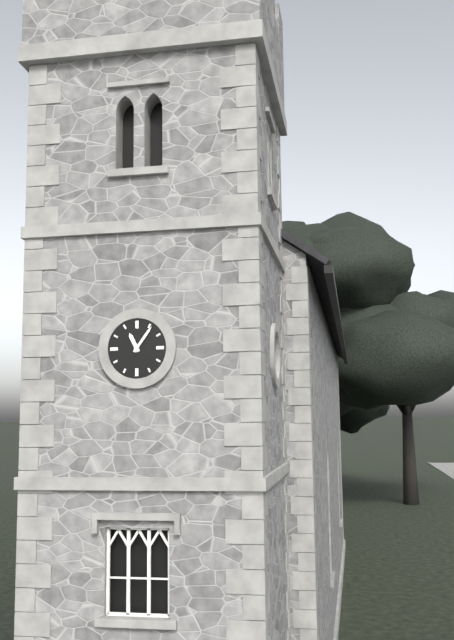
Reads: 11:06
